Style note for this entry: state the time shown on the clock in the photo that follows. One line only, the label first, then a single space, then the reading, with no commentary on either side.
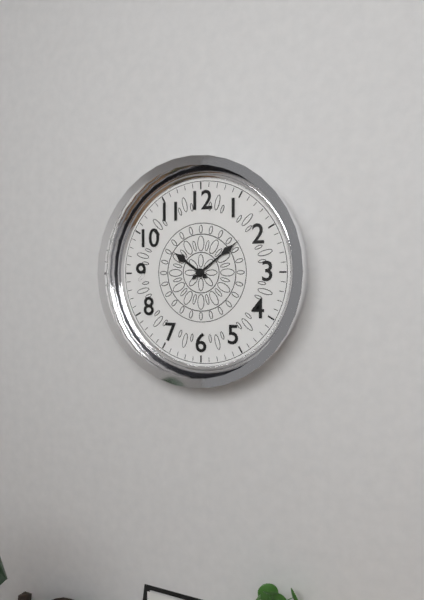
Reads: 10:09
